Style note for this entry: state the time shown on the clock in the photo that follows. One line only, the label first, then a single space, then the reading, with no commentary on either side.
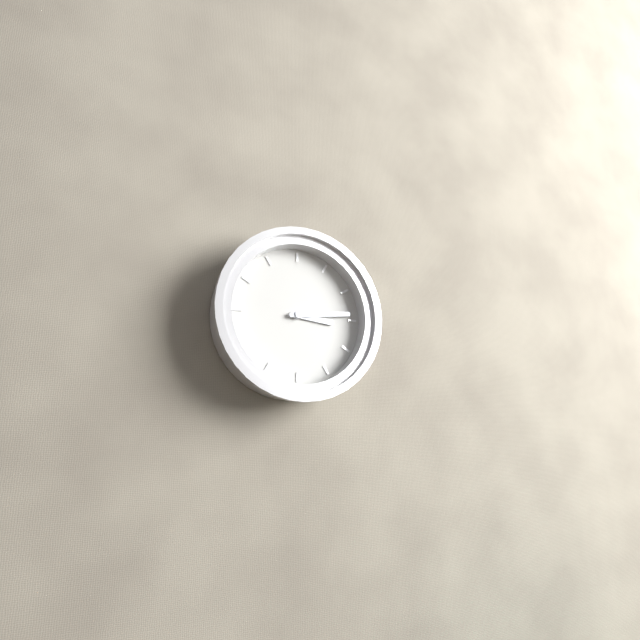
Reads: 3:14
